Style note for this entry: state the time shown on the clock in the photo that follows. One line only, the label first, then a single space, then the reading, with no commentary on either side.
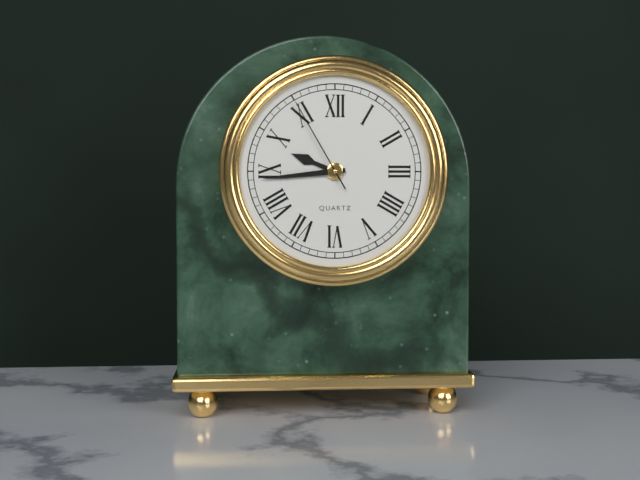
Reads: 9:44:55
